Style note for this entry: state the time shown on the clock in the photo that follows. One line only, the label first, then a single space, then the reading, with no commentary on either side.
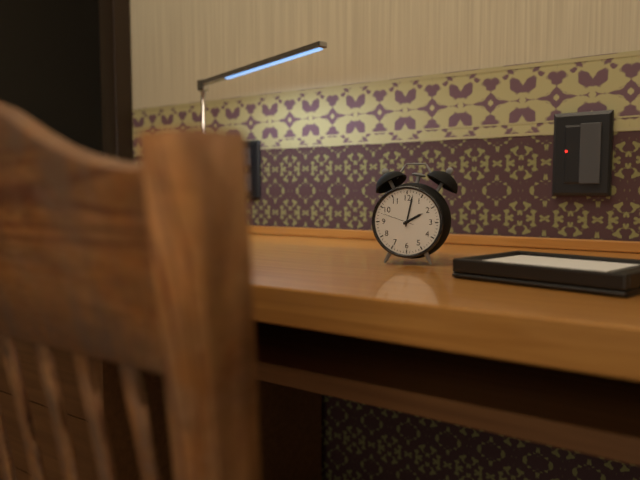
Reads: 2:02
